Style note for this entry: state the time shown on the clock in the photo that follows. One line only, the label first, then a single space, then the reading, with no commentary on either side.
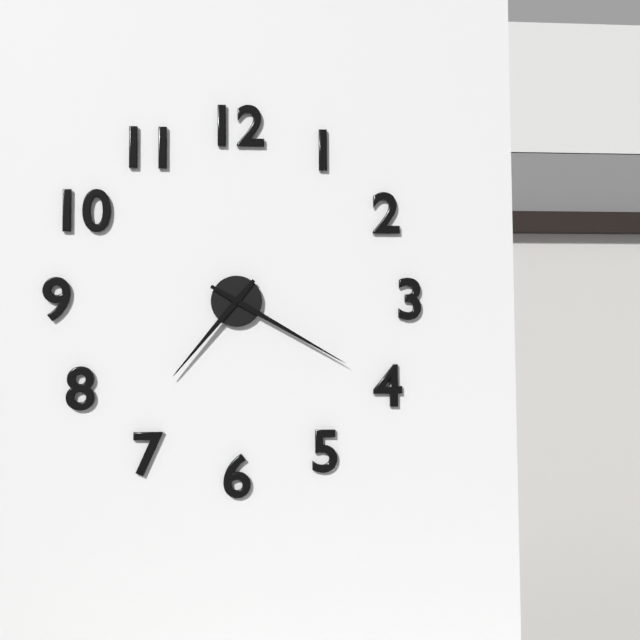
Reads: 7:20
